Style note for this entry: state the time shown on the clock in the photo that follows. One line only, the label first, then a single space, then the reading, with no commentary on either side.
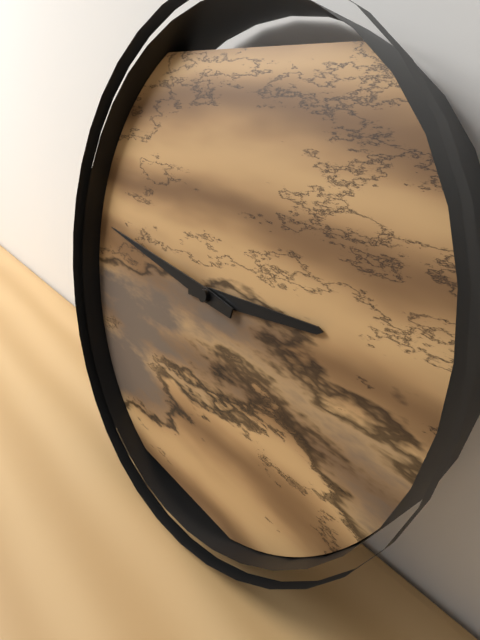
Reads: 2:46
